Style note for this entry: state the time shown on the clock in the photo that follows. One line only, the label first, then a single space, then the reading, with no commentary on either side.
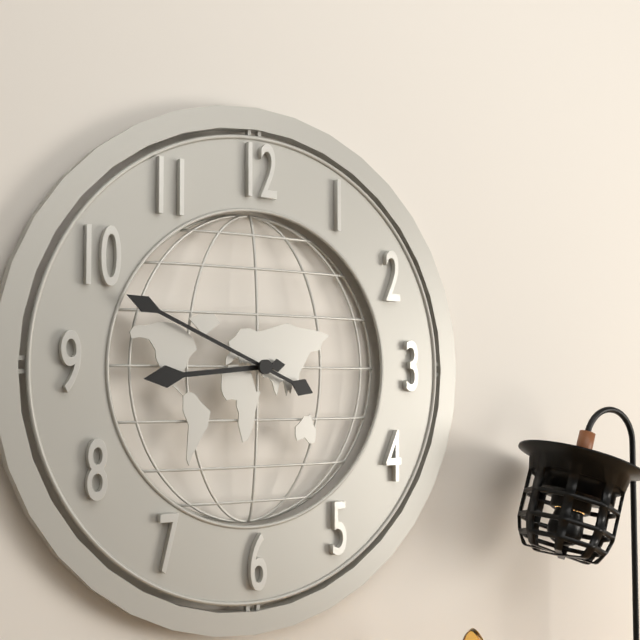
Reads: 8:49
